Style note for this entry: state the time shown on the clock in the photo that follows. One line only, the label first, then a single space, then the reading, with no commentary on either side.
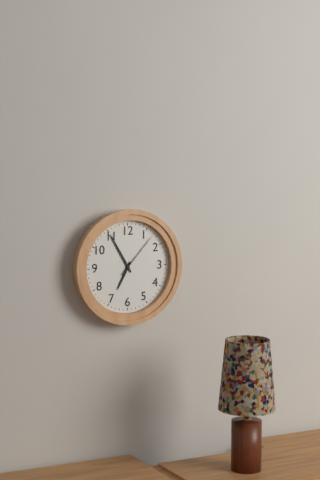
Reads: 6:55
